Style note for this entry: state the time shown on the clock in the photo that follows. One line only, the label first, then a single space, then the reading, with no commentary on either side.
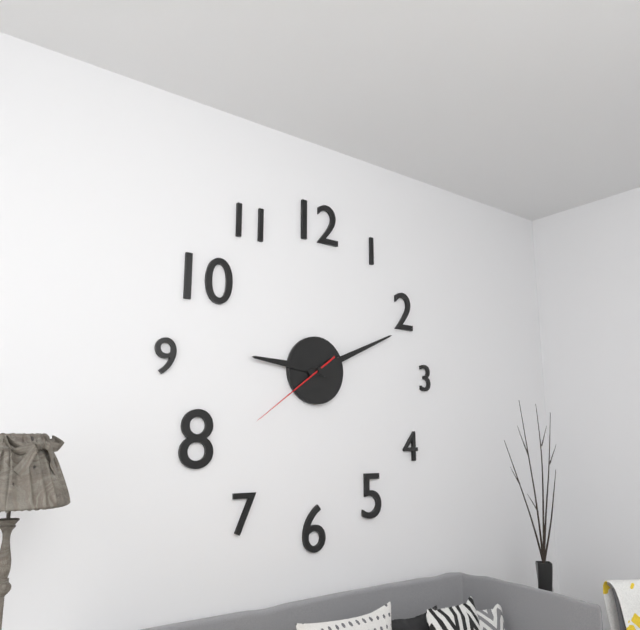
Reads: 9:11:39
